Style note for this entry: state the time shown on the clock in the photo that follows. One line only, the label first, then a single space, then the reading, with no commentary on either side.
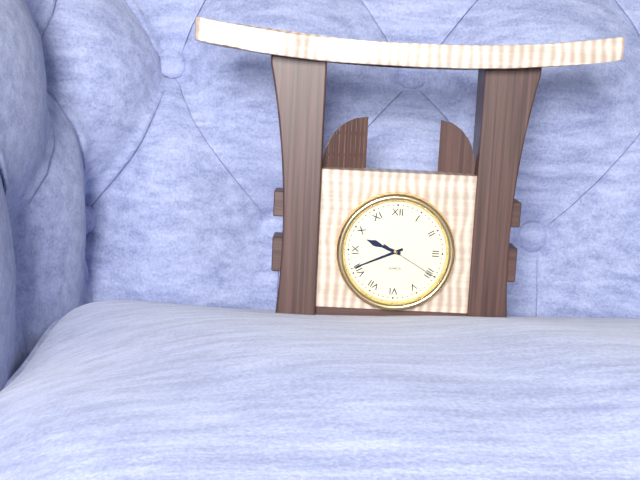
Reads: 9:41:20
